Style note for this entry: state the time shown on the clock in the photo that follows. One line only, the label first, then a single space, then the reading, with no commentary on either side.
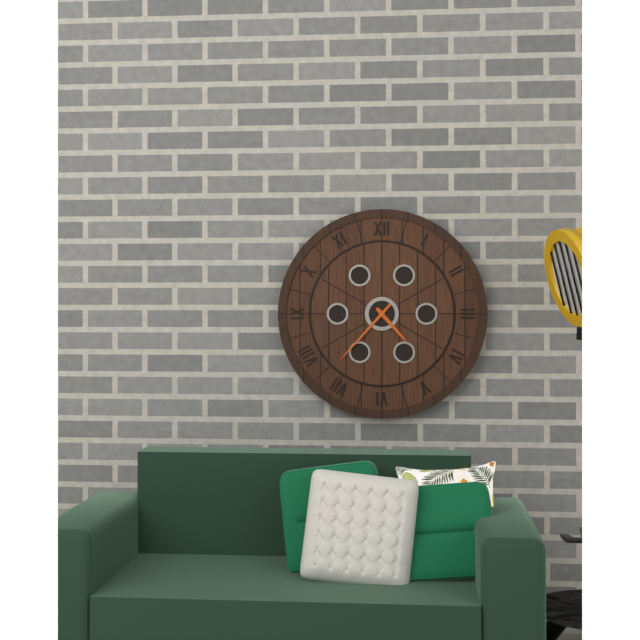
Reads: 4:37
